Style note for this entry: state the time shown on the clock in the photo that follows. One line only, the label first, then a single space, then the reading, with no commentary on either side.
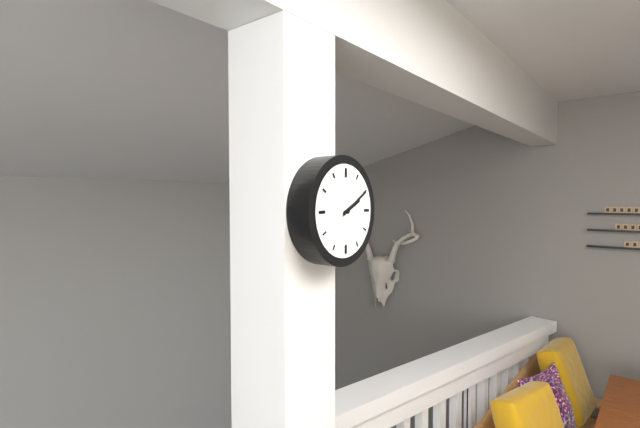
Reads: 2:10
